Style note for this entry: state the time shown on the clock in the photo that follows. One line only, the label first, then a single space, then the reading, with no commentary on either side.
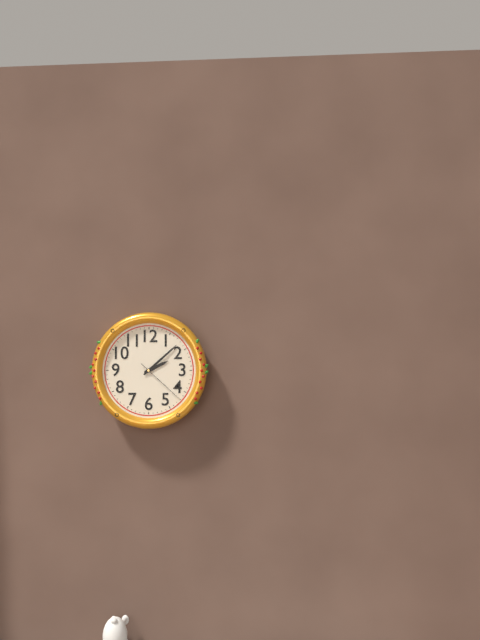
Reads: 2:08:22
